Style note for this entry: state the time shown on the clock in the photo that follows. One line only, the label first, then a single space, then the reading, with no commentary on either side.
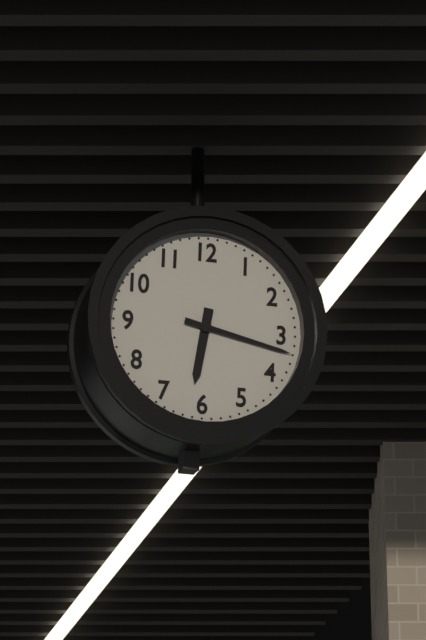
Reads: 6:17
